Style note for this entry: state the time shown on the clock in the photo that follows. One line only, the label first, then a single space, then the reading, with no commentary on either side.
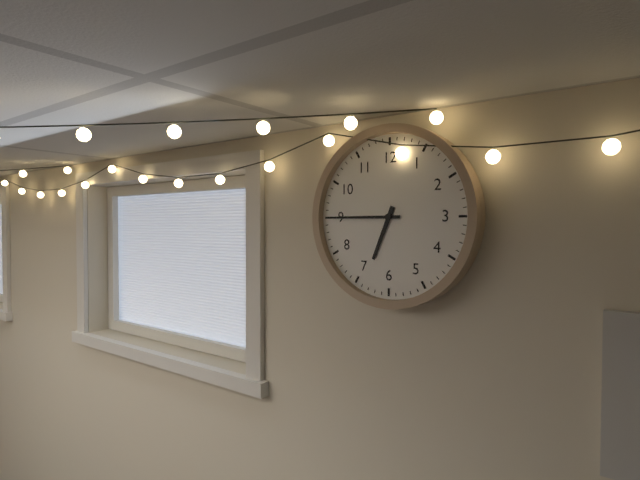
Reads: 6:45
